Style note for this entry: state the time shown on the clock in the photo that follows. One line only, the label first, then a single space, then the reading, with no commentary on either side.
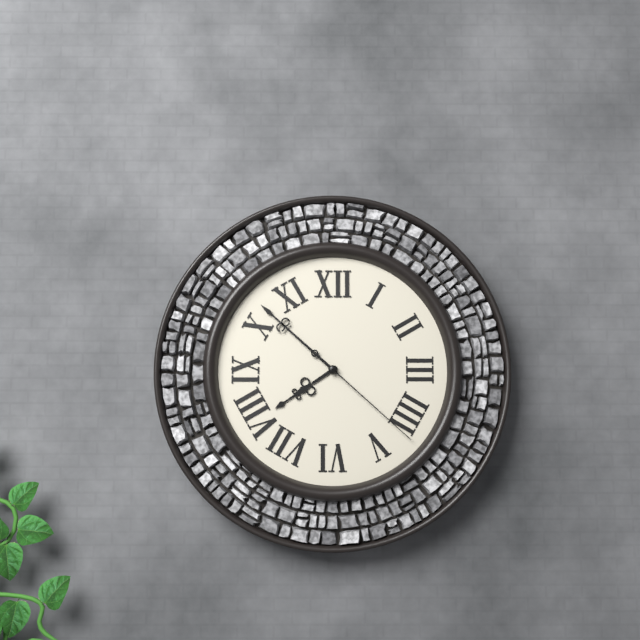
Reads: 7:52:22
